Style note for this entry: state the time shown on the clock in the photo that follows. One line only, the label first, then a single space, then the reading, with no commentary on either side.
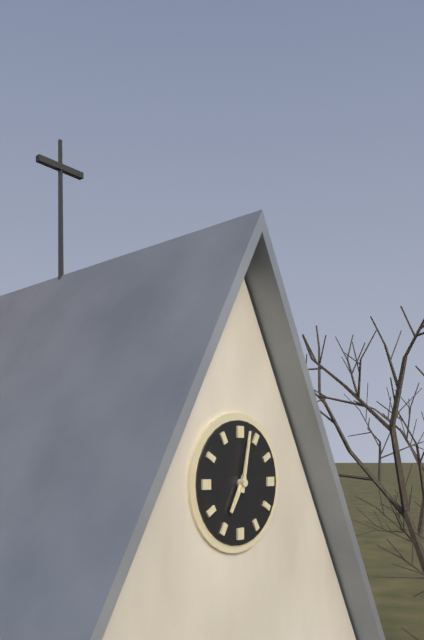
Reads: 7:02
